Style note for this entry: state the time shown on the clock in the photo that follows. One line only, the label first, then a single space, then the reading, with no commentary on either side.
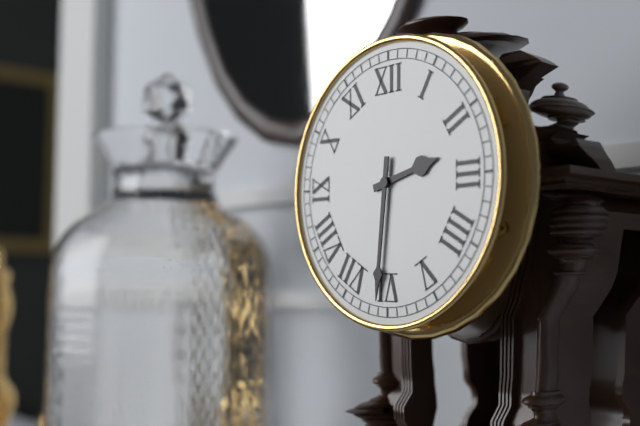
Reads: 2:31
